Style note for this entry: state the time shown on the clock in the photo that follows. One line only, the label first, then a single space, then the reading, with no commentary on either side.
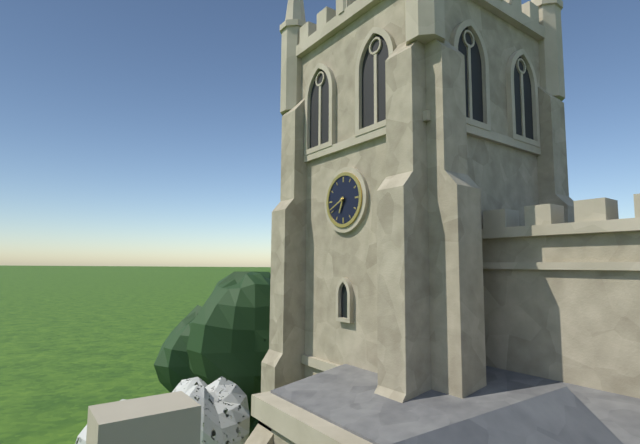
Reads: 6:41
